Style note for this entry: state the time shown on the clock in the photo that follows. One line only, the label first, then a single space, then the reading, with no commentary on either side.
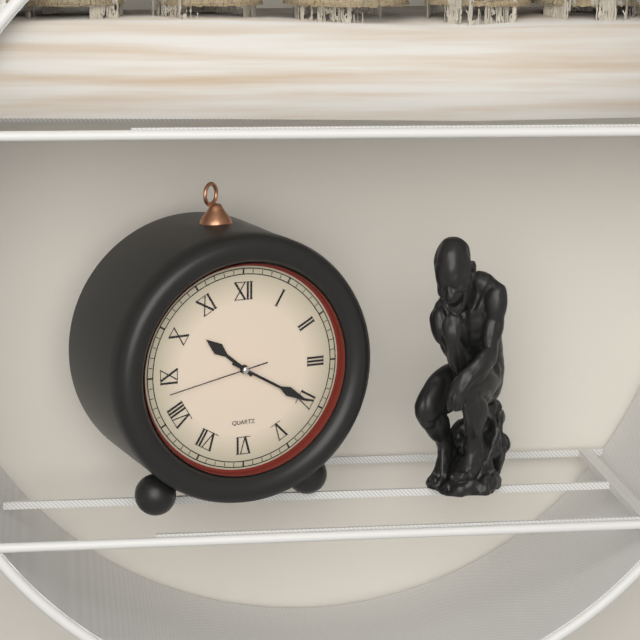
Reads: 10:20:43
